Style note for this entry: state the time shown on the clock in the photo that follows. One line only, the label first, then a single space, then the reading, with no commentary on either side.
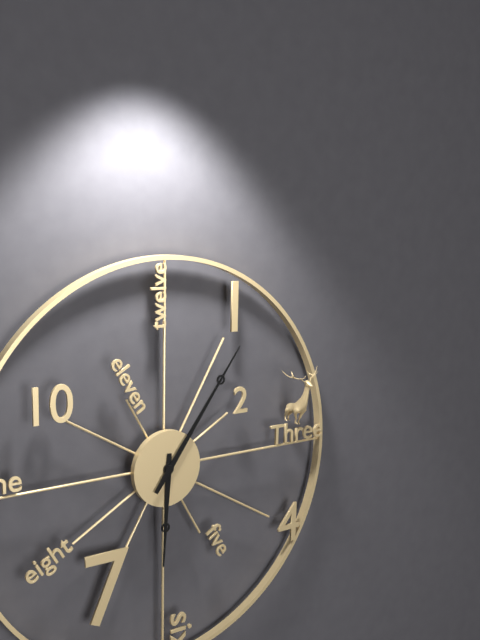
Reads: 6:06
